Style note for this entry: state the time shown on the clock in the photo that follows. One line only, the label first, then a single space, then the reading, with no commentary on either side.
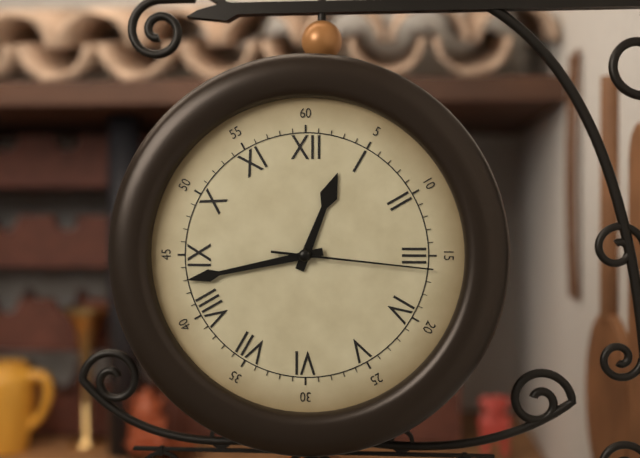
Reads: 12:43:16
